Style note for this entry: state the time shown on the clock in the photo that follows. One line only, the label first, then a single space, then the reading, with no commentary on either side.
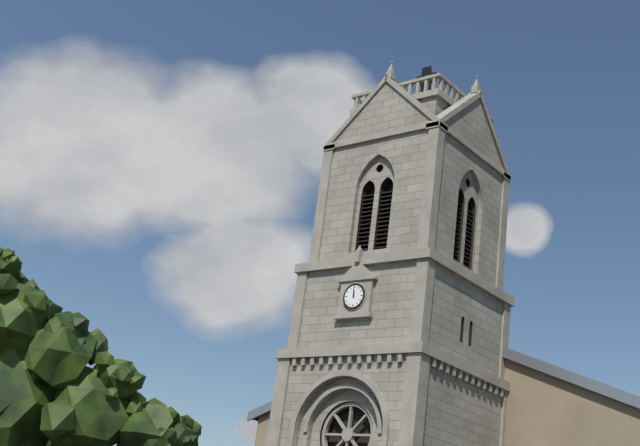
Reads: 11:59
